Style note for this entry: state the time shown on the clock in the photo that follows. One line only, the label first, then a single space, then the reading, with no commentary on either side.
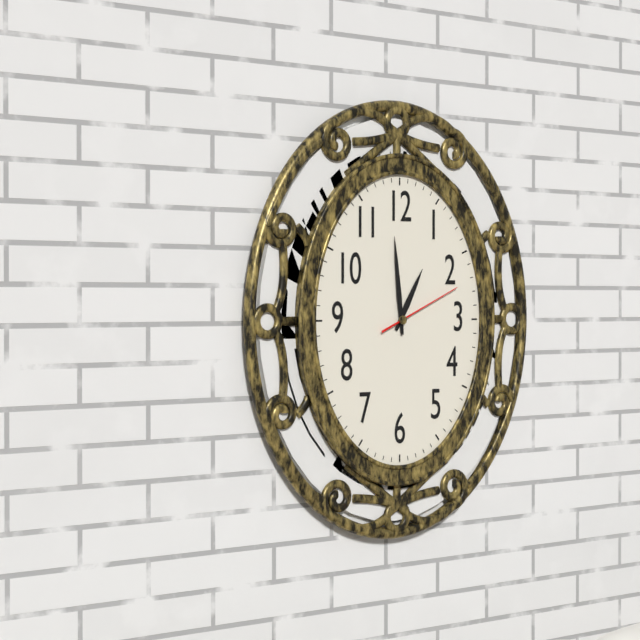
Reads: 12:59:11
